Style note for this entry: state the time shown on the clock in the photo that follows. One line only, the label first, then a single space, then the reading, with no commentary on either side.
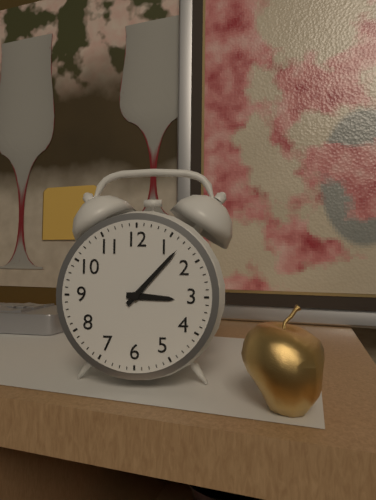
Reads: 3:07
